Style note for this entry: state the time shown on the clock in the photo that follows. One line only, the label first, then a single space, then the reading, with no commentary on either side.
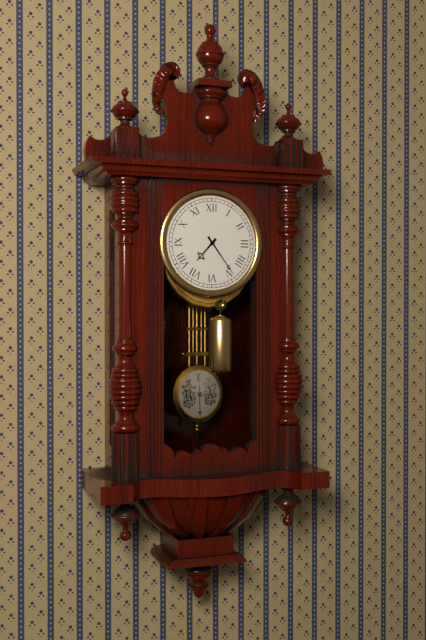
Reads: 7:24
